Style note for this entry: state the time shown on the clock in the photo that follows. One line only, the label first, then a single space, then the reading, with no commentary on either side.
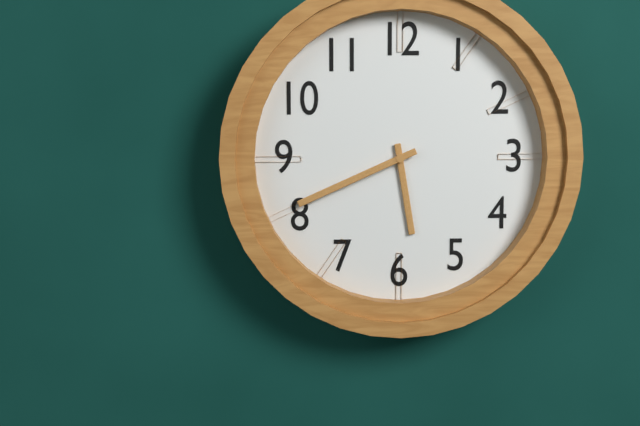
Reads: 5:41
